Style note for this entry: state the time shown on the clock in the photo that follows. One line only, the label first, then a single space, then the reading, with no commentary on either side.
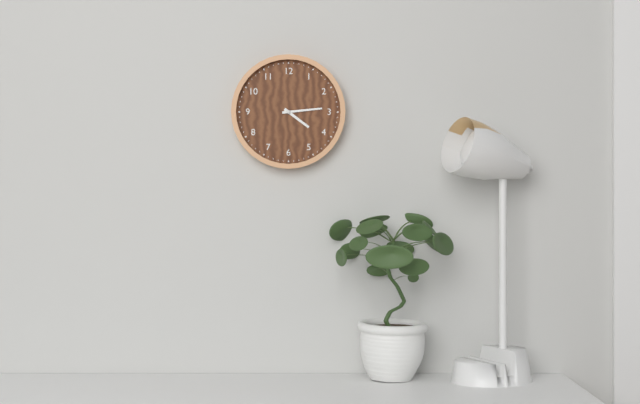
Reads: 4:14
